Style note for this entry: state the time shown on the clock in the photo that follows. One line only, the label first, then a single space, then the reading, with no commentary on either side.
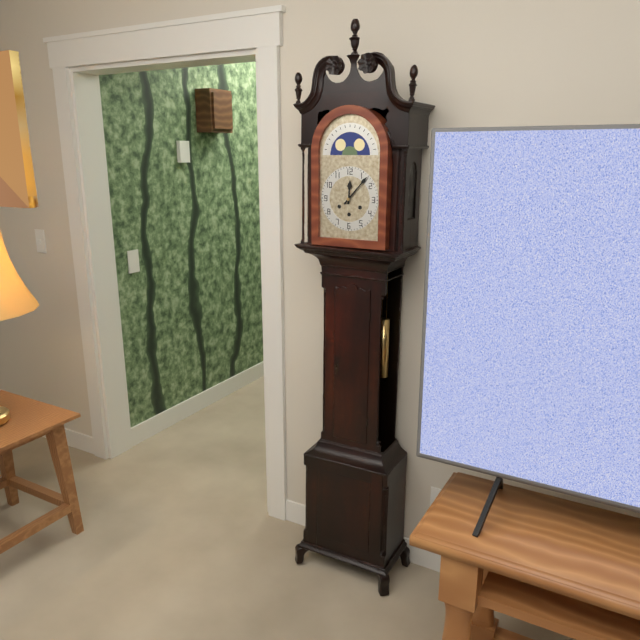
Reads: 12:07
